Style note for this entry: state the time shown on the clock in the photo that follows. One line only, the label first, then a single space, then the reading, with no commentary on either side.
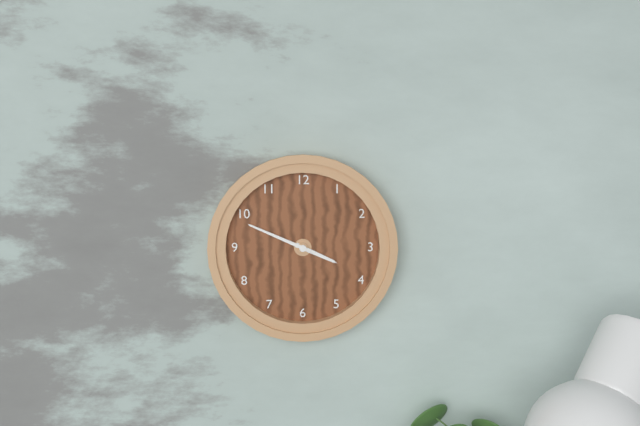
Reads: 3:49
